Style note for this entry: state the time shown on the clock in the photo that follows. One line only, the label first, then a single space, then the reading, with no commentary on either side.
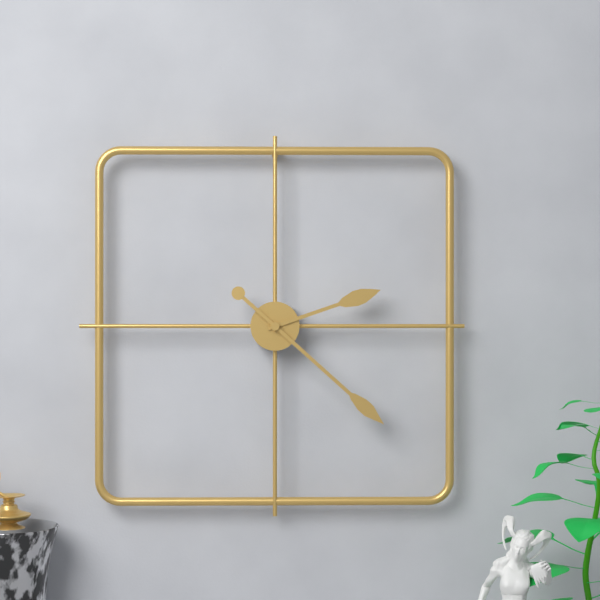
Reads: 2:22
